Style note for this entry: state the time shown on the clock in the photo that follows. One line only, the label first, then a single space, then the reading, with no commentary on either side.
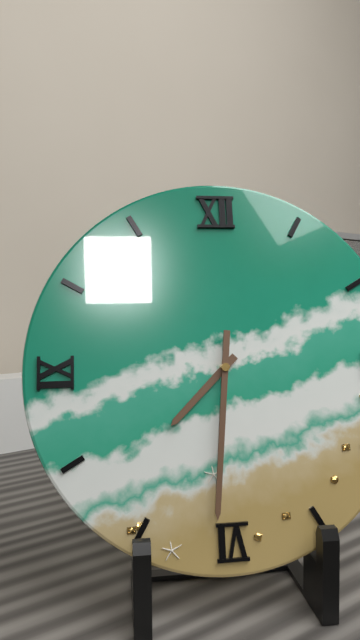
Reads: 7:31
